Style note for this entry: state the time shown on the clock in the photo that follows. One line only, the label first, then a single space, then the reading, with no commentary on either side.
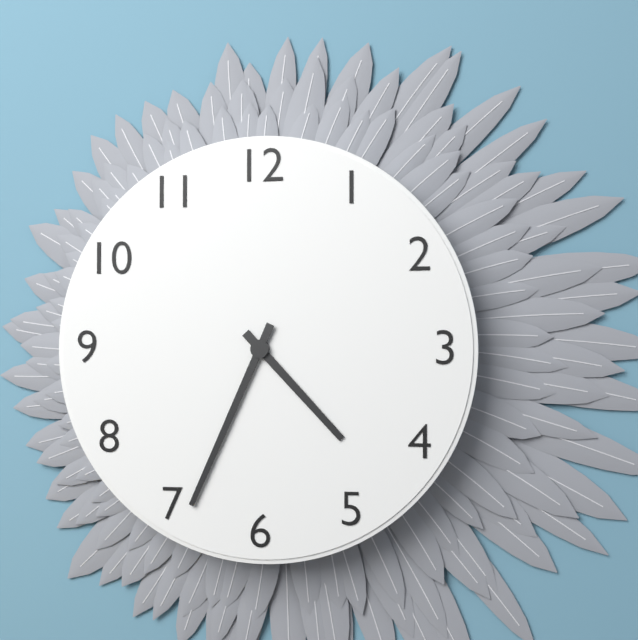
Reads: 4:34
